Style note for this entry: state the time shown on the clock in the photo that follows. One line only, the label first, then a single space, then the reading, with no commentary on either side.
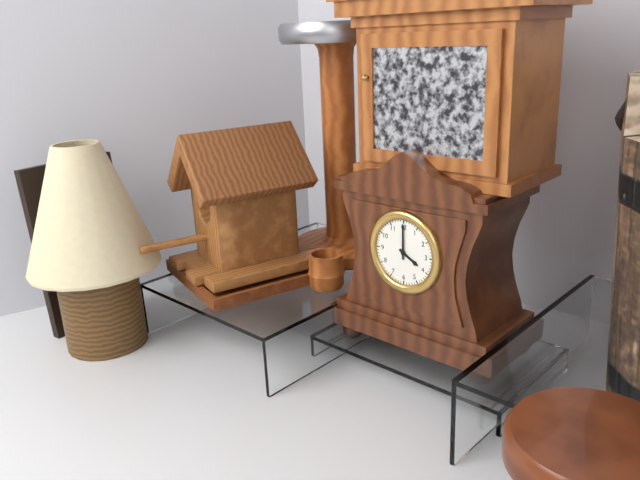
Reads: 4:00
